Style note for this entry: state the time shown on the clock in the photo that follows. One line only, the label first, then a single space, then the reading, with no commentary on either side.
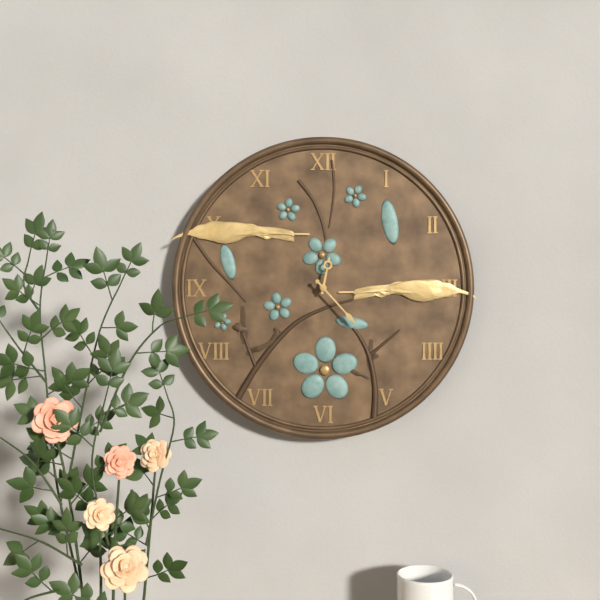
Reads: 12:23
